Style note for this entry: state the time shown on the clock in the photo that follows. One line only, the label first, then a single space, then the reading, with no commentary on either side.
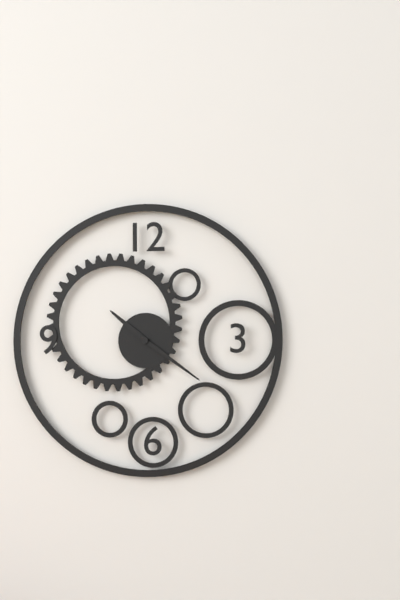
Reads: 10:21
